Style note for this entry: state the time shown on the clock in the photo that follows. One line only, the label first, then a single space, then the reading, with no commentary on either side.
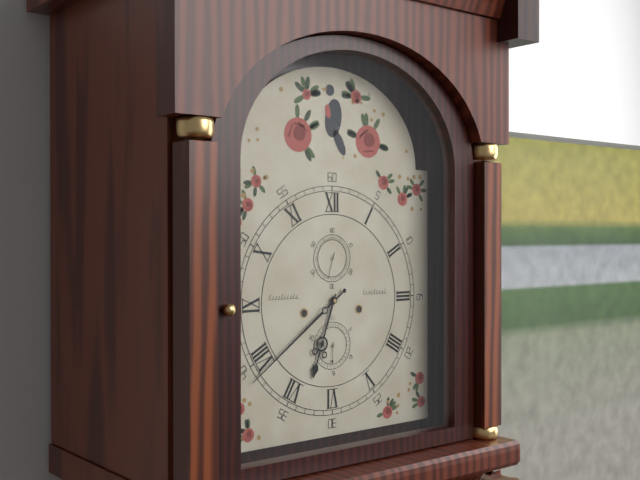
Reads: 6:39
